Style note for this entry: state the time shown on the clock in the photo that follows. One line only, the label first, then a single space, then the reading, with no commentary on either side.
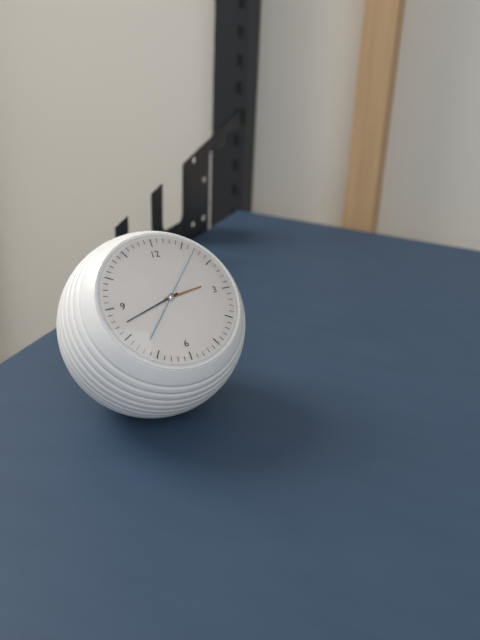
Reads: 2:42:07
